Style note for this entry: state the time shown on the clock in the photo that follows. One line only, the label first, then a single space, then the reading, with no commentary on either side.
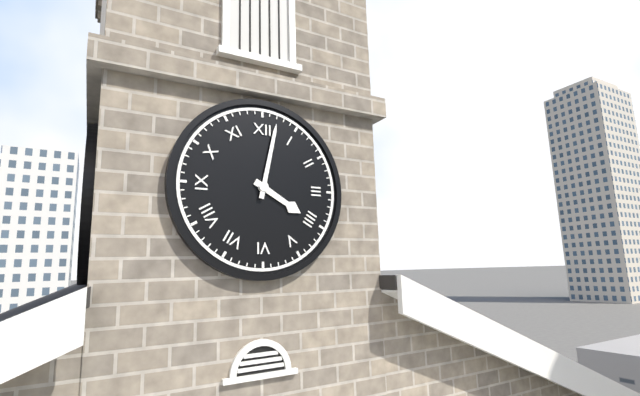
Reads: 4:02
